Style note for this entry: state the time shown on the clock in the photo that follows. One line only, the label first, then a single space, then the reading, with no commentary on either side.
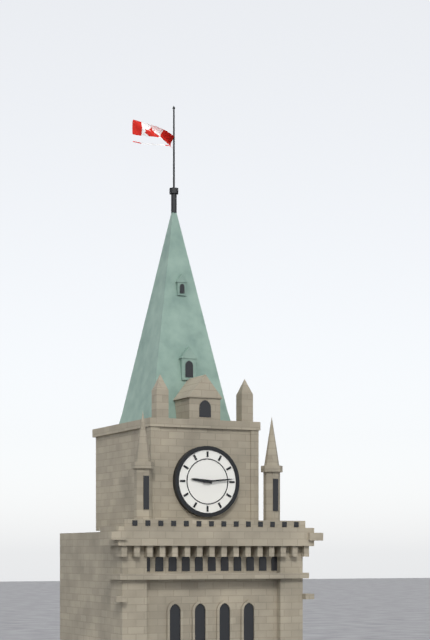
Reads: 9:14
